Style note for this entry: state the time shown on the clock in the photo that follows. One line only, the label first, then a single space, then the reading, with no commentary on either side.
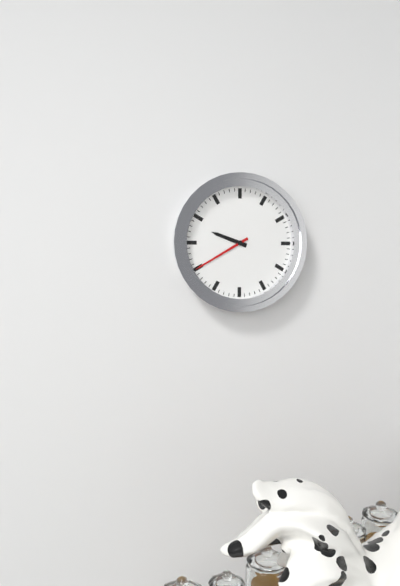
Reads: 9:40
